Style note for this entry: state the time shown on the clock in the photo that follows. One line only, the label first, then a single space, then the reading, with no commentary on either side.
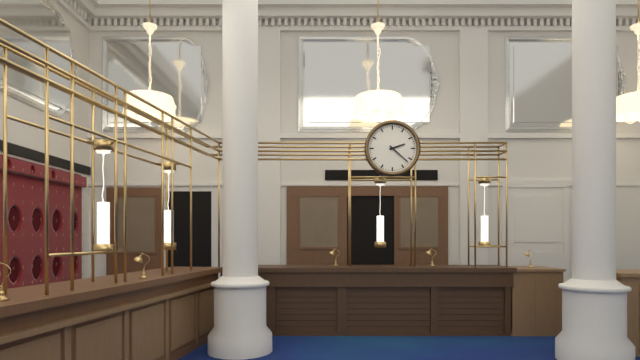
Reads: 2:22
